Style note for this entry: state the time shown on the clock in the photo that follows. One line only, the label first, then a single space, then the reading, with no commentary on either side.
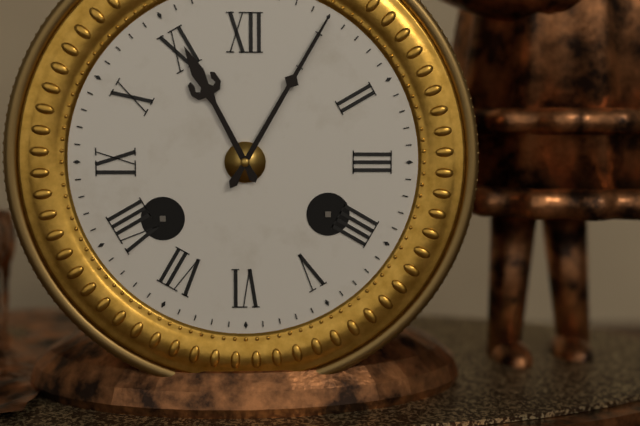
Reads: 11:05
